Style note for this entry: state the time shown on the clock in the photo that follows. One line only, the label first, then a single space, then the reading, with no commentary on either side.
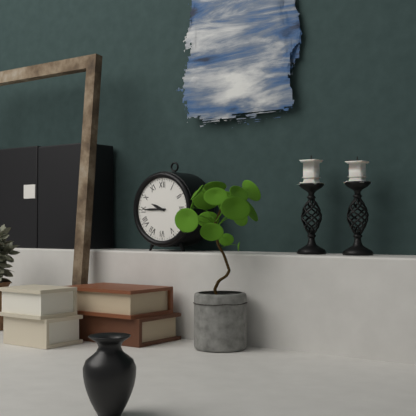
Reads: 9:45
